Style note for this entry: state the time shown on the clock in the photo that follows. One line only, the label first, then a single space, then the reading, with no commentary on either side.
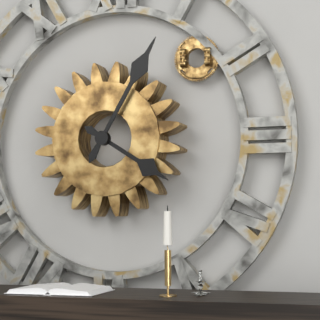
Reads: 4:05
